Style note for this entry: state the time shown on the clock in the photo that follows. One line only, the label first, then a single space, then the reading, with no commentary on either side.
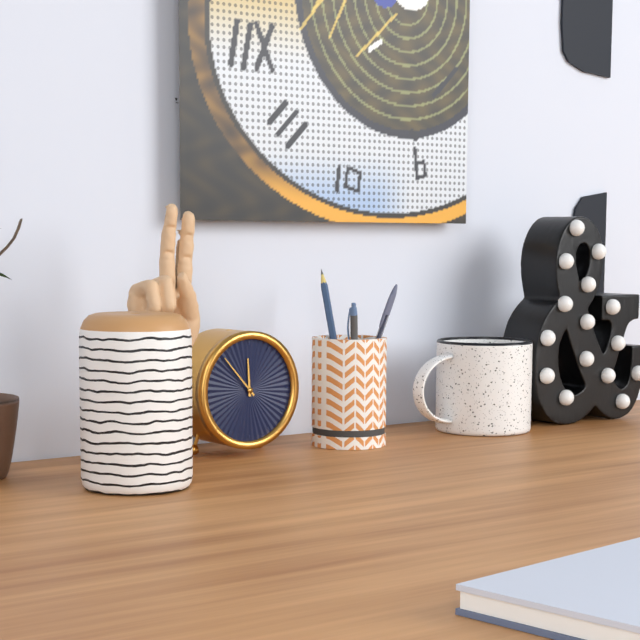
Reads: 11:53
